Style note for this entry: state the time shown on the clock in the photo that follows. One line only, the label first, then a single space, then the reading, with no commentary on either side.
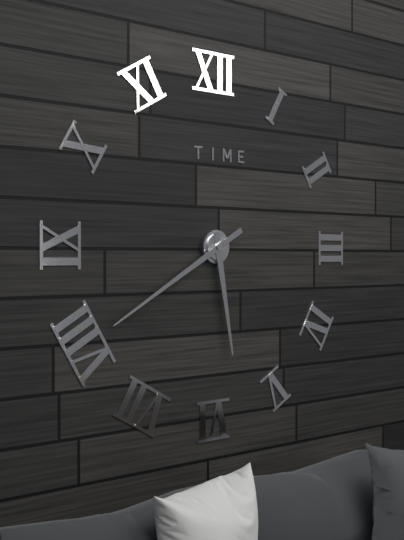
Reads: 5:40
